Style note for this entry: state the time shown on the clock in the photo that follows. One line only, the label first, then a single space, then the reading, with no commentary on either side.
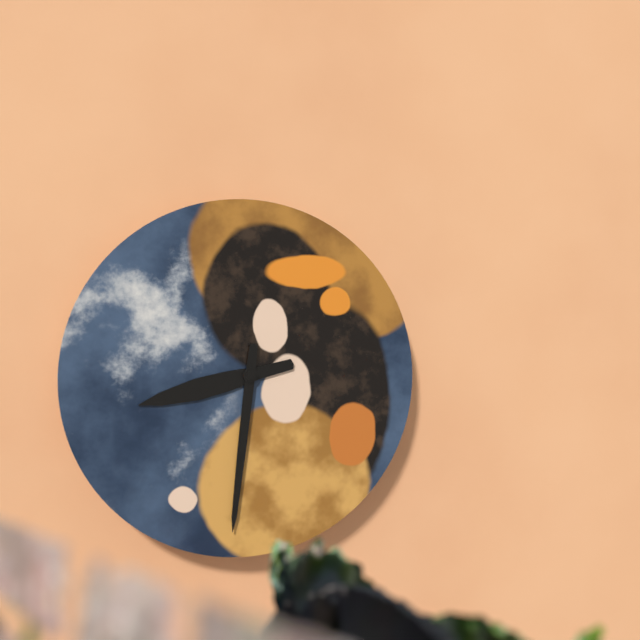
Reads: 8:31
